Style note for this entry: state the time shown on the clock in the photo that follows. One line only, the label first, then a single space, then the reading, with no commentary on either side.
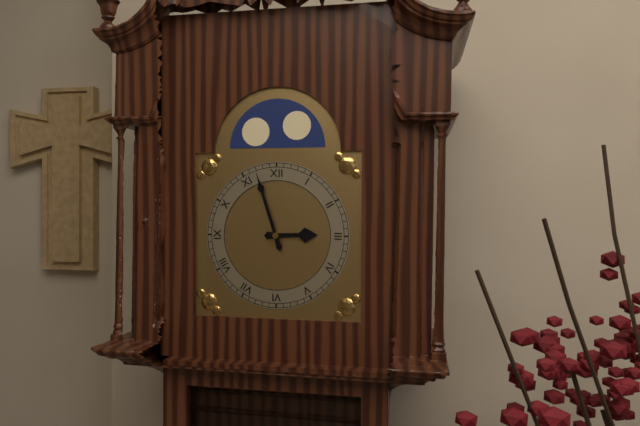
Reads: 2:57
